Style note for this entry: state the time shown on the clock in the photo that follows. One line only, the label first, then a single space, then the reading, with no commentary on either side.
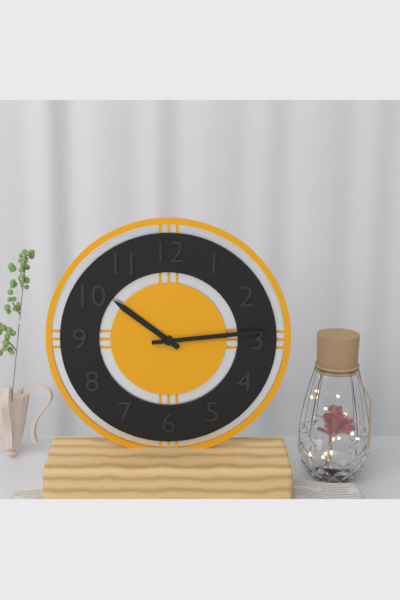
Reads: 10:14
